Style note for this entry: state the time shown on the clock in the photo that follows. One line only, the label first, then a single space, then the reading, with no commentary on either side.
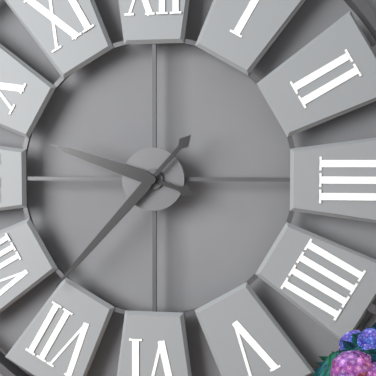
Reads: 9:37
